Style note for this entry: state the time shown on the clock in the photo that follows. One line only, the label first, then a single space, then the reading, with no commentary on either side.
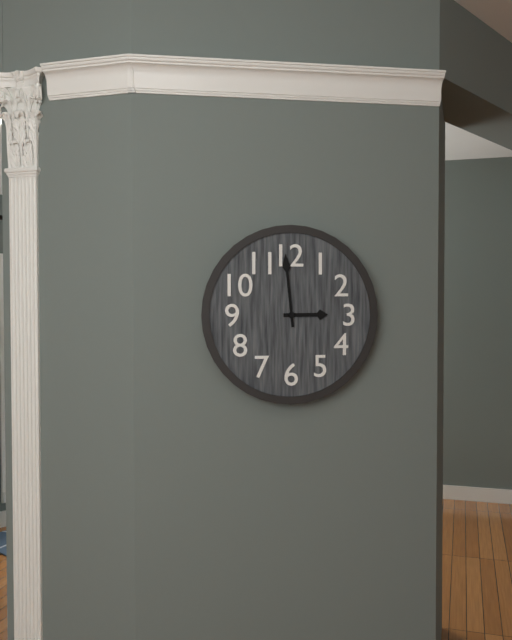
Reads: 2:59
